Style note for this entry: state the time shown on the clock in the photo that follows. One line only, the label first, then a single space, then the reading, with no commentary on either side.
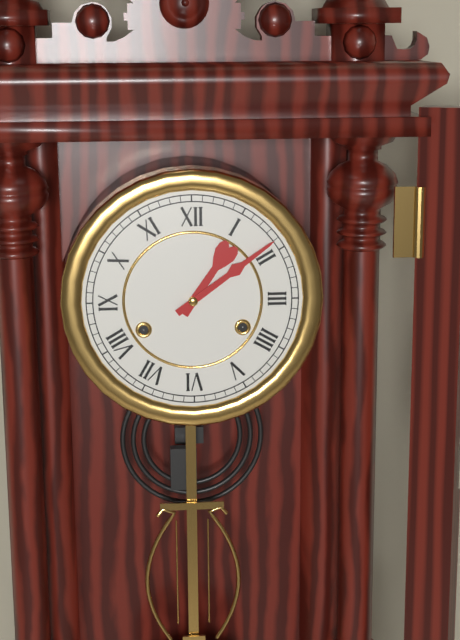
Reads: 1:09
